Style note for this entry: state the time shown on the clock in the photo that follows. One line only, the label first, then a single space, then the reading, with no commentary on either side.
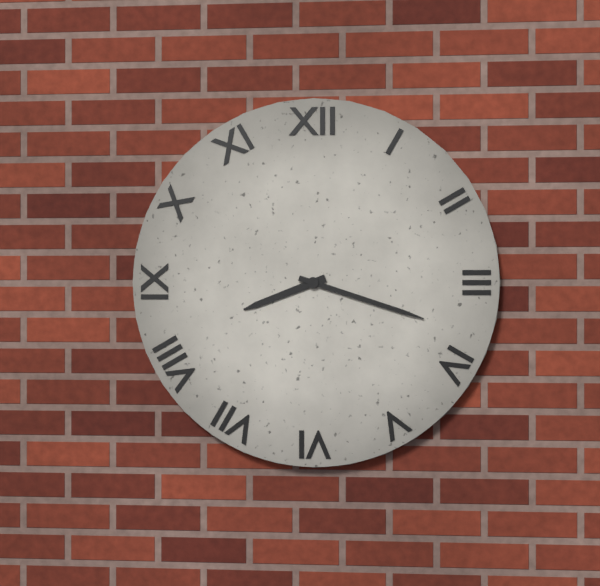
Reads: 8:18
